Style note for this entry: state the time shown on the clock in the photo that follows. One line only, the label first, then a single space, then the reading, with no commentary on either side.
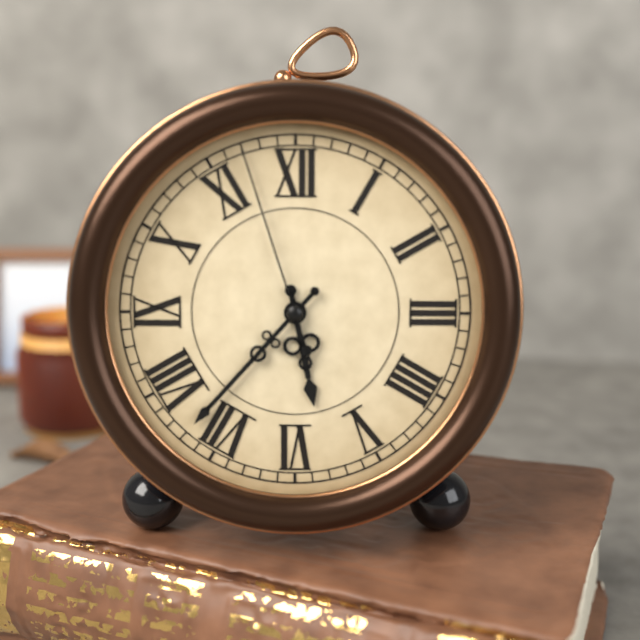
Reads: 5:37:57
